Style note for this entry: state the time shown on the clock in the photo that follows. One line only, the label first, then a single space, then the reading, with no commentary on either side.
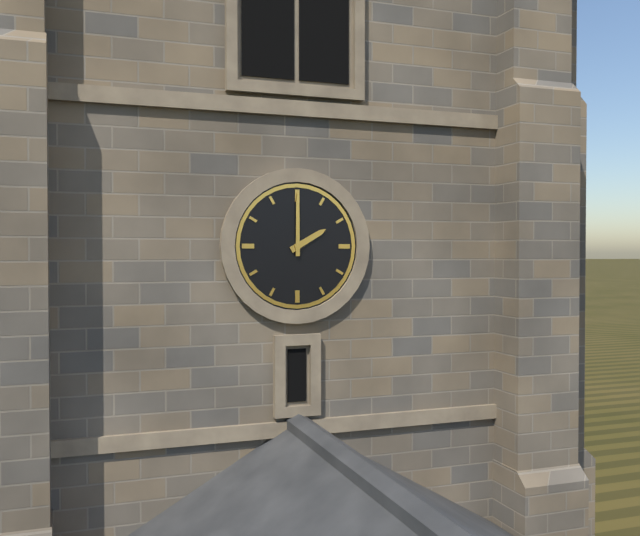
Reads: 2:00
